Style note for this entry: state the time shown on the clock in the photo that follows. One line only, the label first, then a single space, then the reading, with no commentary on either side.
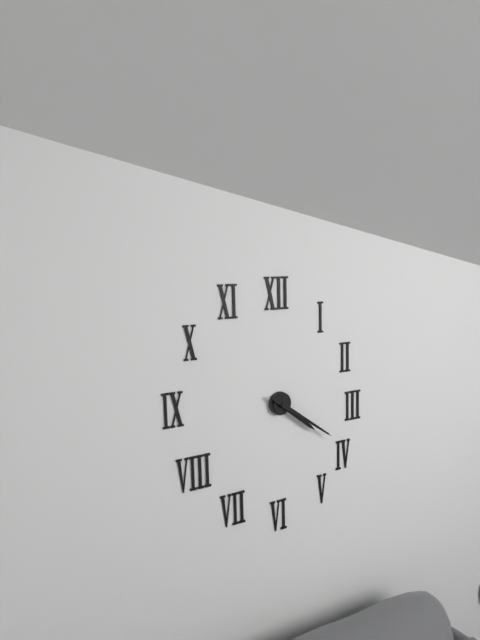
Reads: 4:21
